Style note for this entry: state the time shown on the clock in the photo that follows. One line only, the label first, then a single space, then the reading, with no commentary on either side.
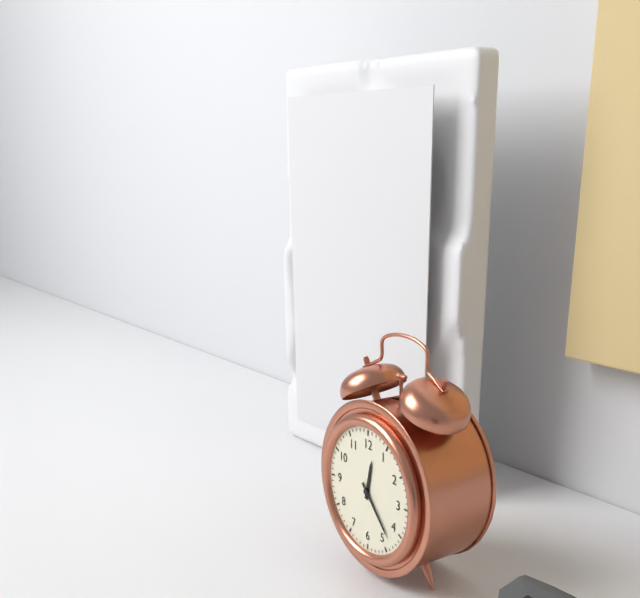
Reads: 12:23
